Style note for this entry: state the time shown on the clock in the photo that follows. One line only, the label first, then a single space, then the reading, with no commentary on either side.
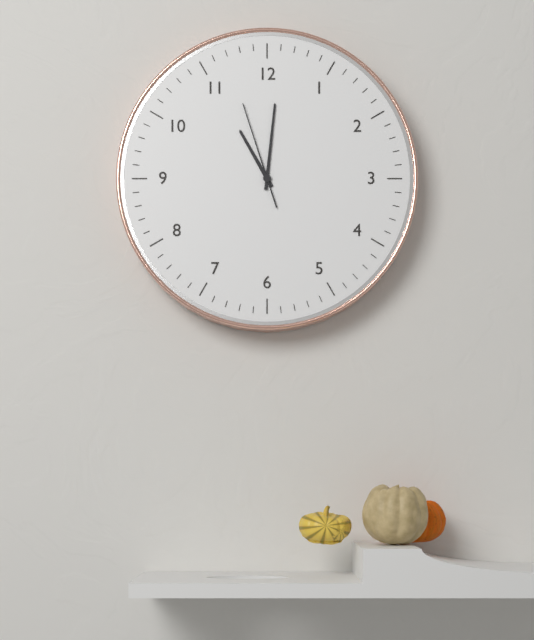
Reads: 11:01:57
